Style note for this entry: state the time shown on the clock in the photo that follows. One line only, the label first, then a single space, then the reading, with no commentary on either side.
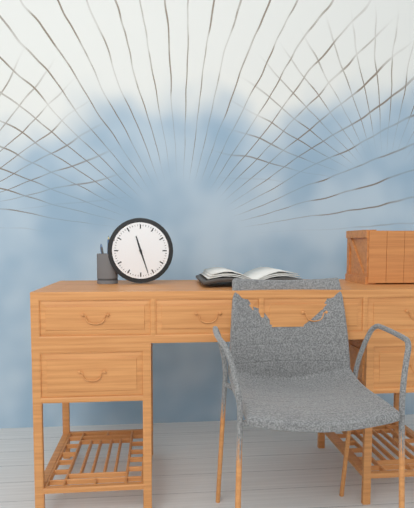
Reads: 11:27
